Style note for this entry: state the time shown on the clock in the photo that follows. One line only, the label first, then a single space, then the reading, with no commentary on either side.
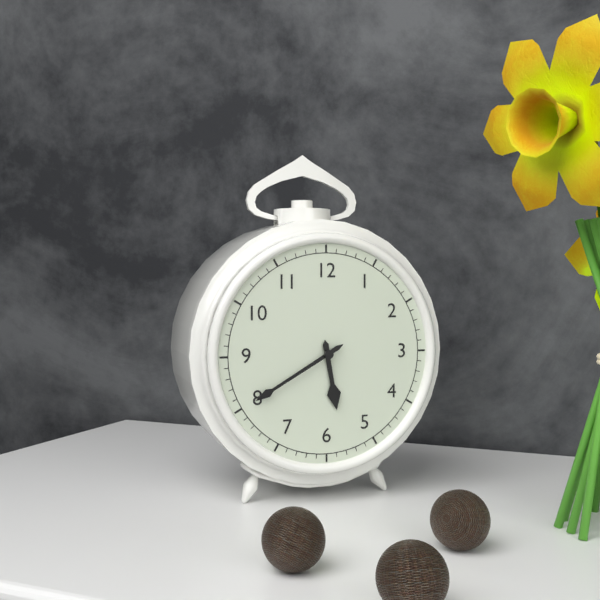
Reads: 5:40
